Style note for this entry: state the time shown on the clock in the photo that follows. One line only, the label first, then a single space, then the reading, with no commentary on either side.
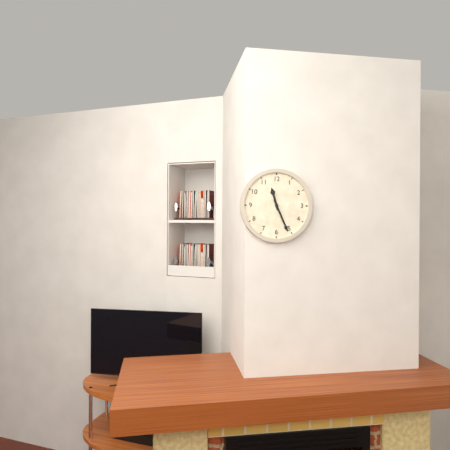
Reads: 11:26
